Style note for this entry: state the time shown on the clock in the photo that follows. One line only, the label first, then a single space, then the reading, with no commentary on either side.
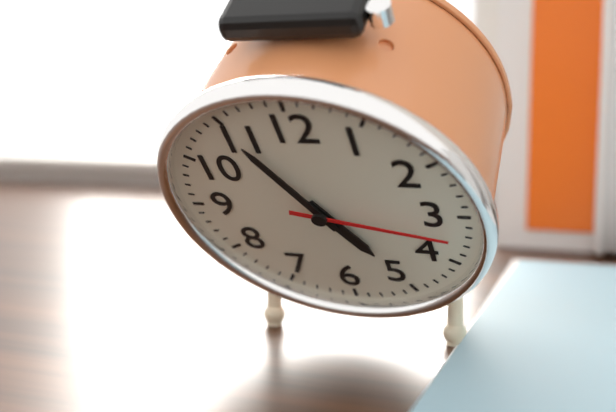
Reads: 4:55:17
